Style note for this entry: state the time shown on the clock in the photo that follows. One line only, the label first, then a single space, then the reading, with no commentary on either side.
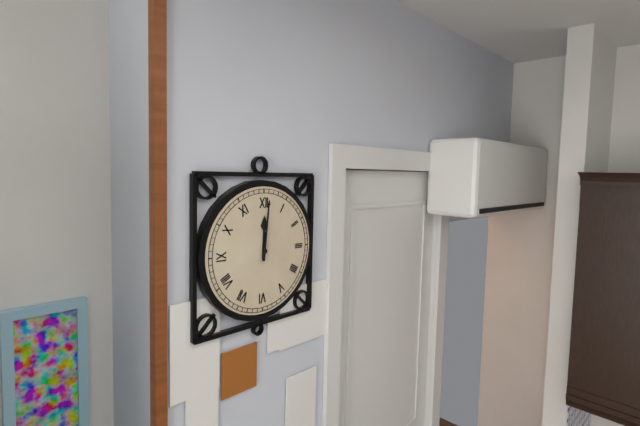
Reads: 12:01
